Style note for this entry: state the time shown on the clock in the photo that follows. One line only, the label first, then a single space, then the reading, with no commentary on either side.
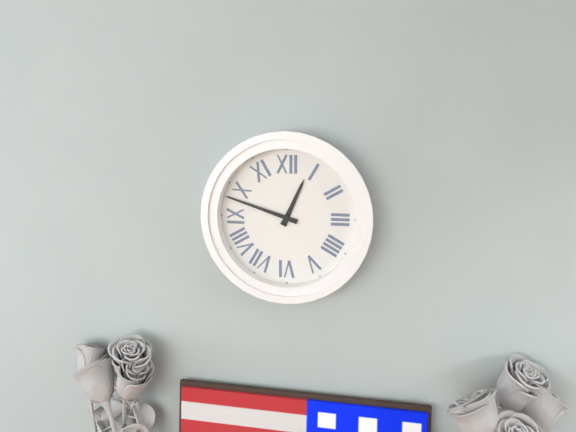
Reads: 12:48
